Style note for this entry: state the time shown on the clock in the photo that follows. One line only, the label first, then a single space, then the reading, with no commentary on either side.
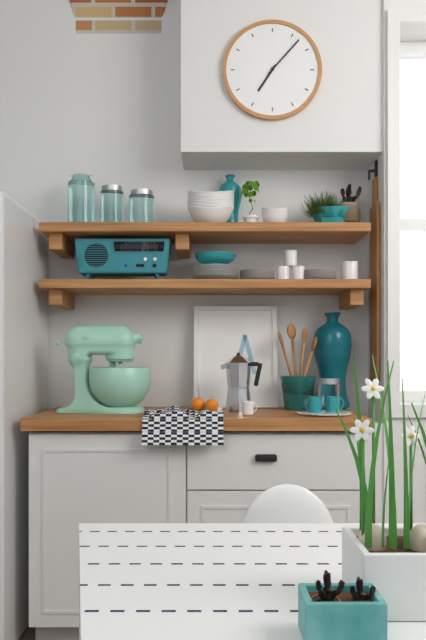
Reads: 7:07
